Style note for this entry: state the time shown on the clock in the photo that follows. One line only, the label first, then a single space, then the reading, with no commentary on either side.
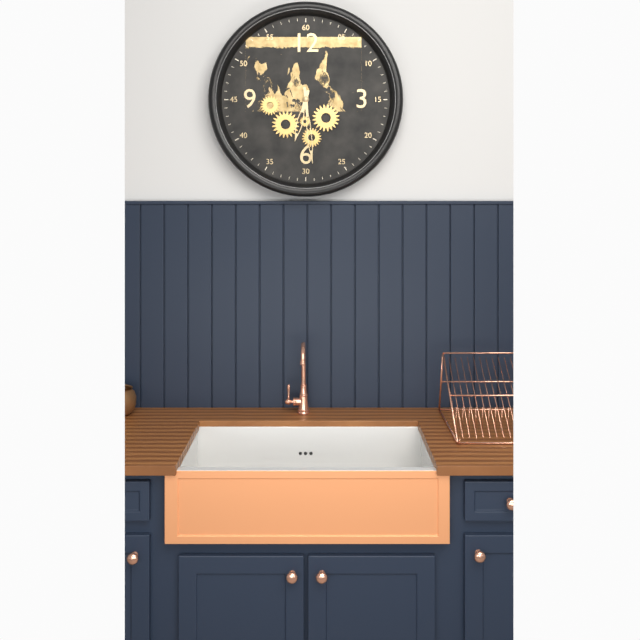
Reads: 6:29
